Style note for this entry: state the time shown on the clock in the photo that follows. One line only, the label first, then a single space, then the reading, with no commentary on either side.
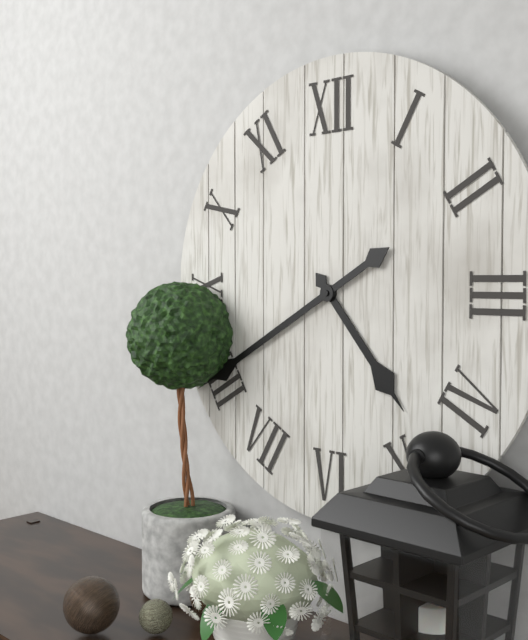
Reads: 4:40
